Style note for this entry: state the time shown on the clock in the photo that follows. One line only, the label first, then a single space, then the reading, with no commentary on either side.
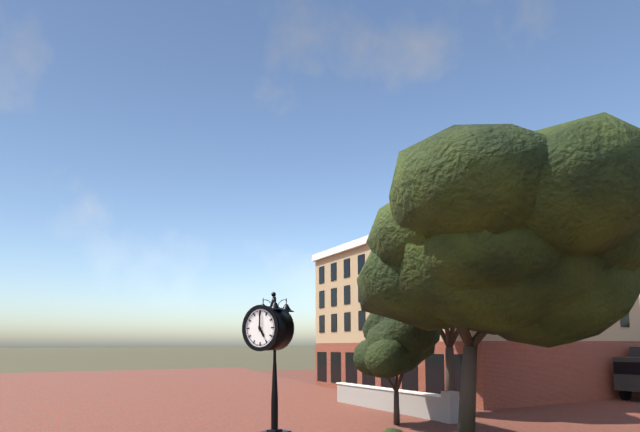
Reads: 5:00
